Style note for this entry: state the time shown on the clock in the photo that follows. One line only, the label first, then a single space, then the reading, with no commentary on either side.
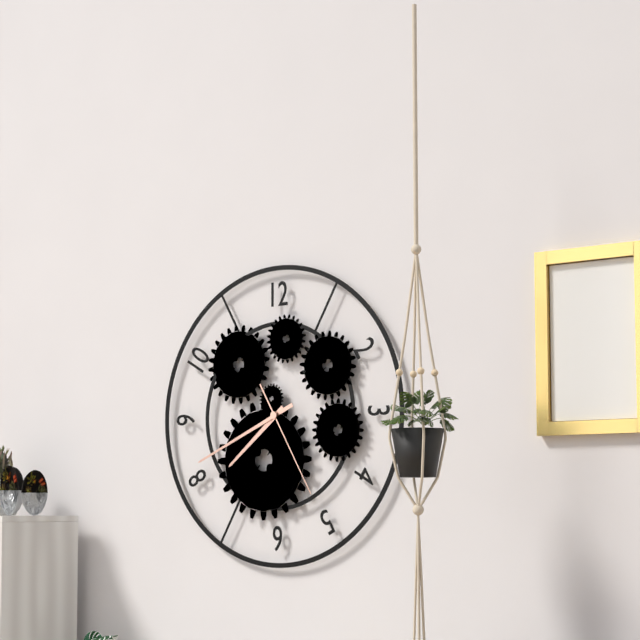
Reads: 7:41:25
